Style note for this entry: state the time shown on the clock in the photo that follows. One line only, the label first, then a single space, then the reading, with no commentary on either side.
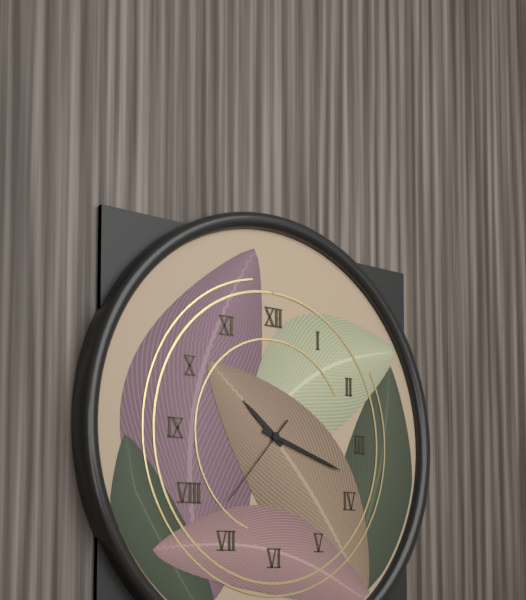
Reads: 10:18:37
